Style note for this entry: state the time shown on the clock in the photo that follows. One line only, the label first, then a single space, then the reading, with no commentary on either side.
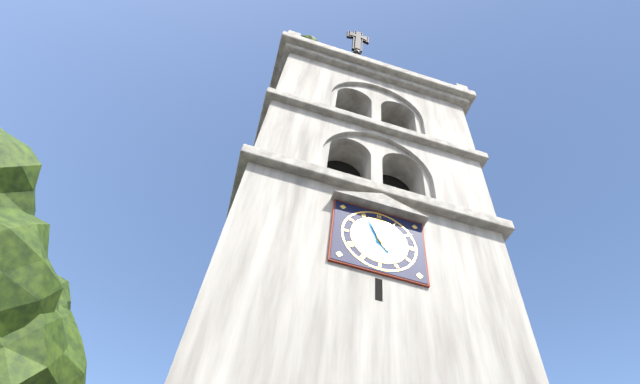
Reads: 4:56
